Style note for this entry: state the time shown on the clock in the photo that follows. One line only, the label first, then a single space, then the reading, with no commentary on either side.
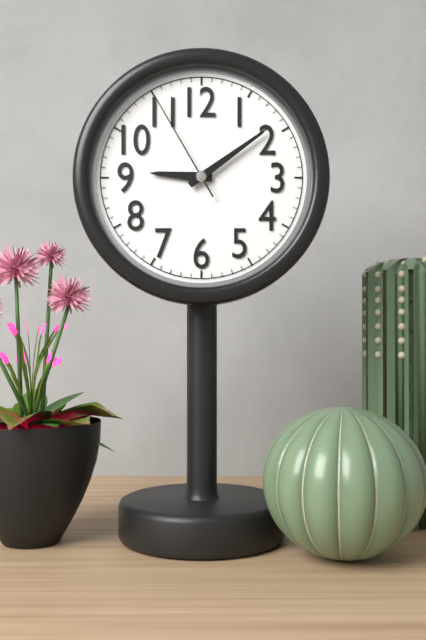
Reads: 9:09:55
